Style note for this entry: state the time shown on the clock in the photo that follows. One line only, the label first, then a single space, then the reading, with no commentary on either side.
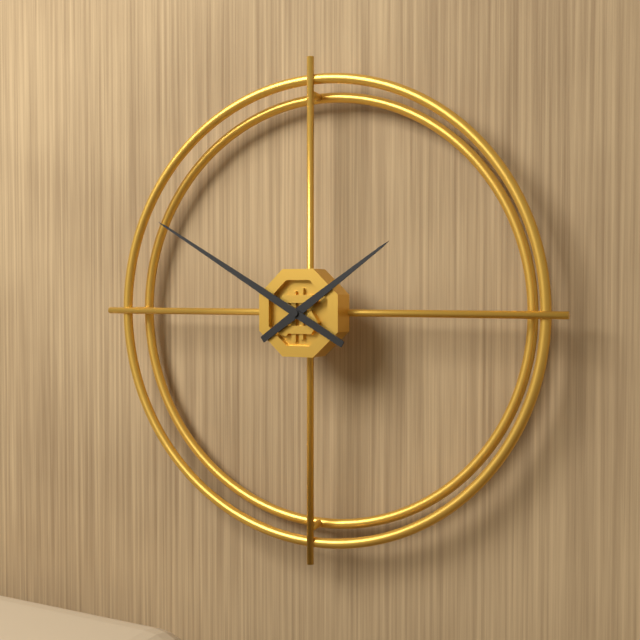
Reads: 1:50
